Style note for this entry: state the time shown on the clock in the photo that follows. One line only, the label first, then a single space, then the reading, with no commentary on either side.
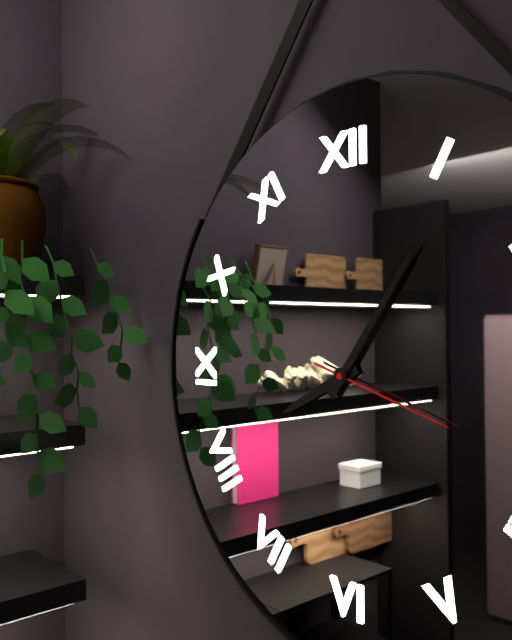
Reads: 8:06:18
